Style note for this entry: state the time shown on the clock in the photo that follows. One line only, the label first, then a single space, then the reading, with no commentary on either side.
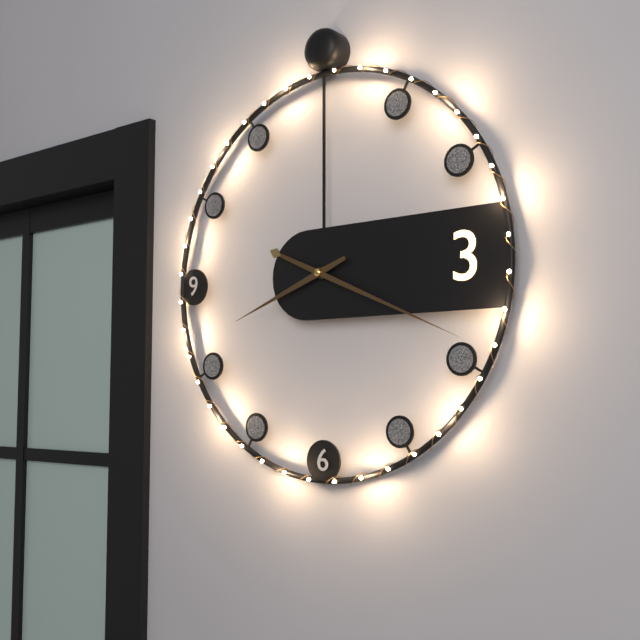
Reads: 8:19
